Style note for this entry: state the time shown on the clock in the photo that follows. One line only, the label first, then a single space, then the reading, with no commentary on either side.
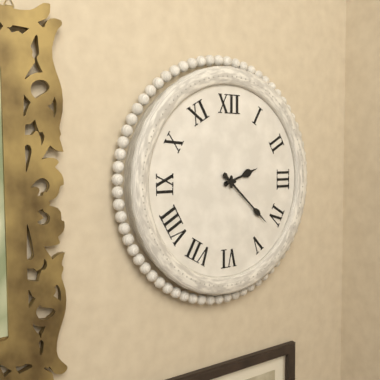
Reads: 2:22
